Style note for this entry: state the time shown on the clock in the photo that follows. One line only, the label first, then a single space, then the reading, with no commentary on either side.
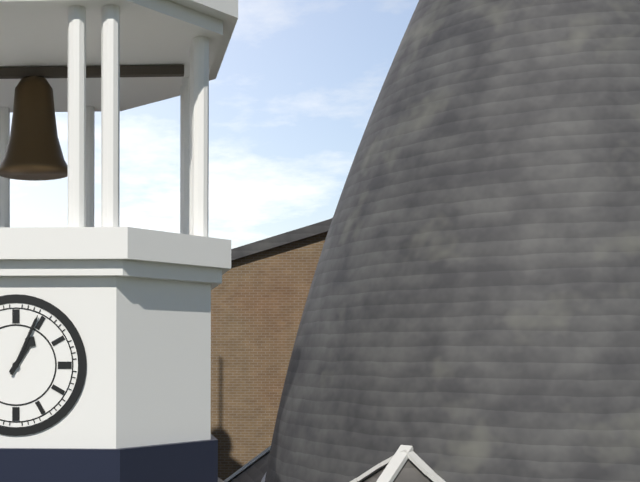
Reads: 1:04
